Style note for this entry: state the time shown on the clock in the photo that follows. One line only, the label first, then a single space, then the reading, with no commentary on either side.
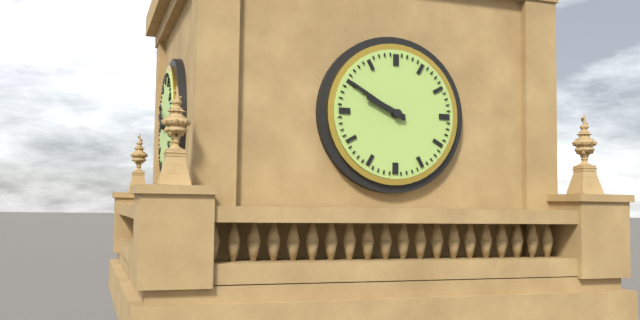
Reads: 9:50
